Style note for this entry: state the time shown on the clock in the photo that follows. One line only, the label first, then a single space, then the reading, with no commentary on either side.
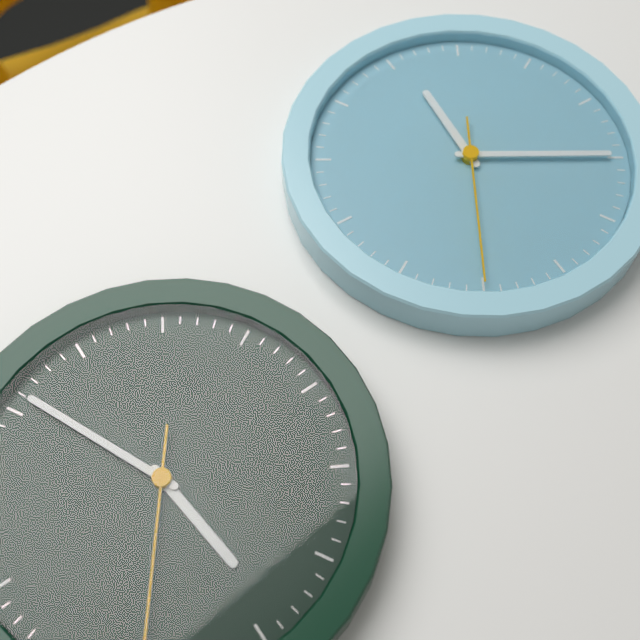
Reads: 3:46
